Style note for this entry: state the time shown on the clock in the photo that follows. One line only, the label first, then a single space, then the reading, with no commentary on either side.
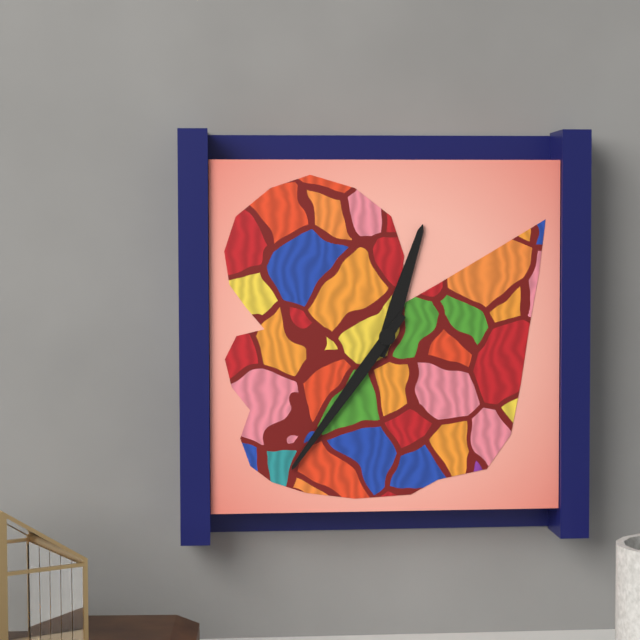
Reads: 12:36
